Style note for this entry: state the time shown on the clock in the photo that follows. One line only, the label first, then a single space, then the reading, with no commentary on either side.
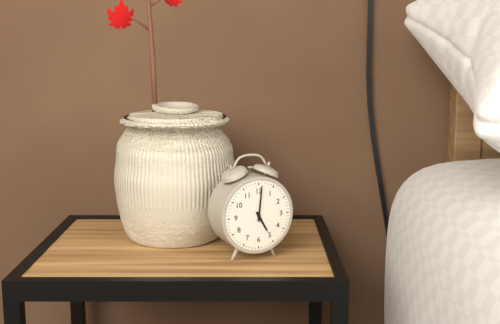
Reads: 5:01
